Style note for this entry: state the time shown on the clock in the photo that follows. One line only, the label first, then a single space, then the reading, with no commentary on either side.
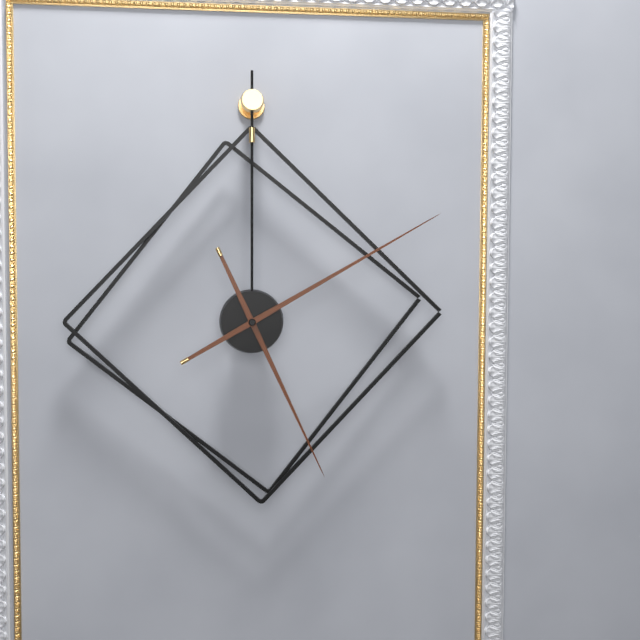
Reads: 5:10
